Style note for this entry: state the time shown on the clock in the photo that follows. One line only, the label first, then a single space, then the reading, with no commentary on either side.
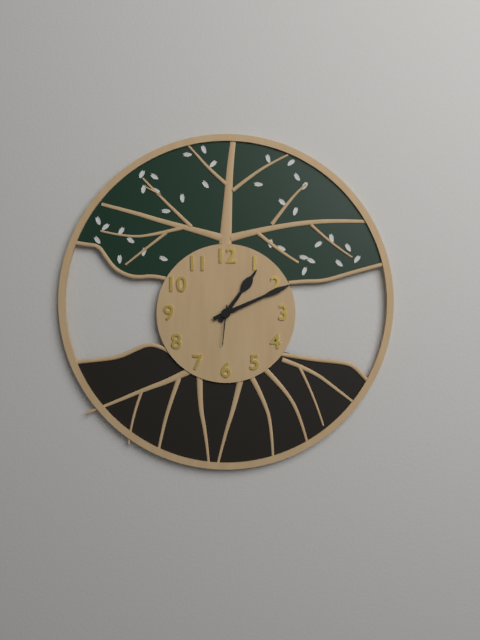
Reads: 1:11
